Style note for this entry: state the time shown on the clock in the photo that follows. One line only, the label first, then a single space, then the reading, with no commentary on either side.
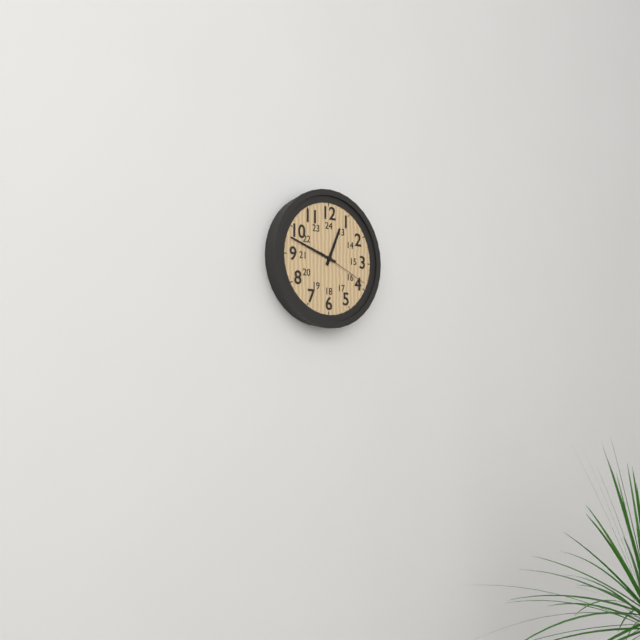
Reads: 12:48:19
